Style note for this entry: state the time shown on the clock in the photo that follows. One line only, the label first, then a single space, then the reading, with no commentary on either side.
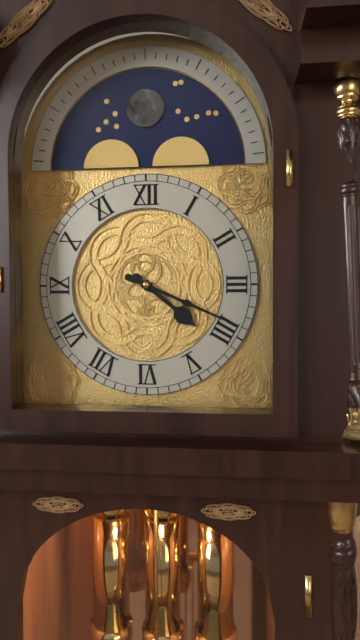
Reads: 4:19
